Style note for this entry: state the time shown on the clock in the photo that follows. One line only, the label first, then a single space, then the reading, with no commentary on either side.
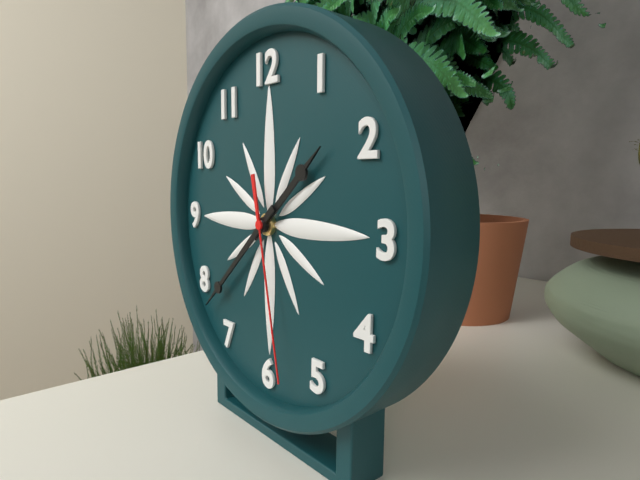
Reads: 1:38:28
